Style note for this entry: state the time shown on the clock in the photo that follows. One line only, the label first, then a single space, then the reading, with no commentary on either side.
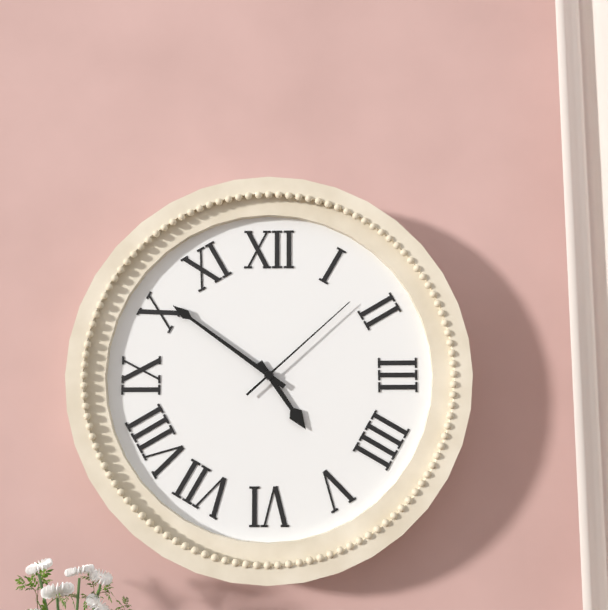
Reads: 4:51:08
